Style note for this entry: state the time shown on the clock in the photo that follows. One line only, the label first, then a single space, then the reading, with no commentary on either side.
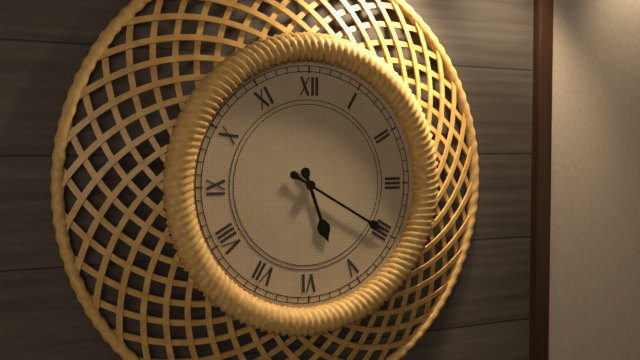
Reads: 5:20
